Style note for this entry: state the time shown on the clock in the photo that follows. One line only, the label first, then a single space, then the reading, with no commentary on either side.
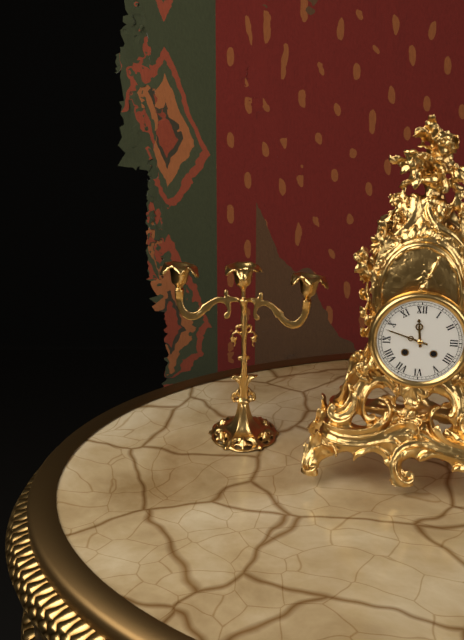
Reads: 11:48
